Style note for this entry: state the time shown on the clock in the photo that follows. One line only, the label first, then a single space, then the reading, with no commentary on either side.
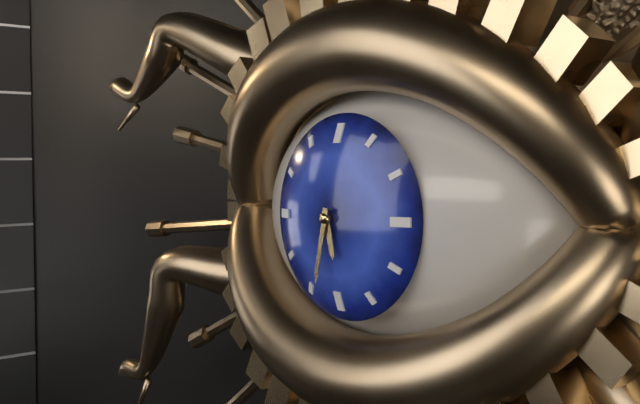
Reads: 5:32
